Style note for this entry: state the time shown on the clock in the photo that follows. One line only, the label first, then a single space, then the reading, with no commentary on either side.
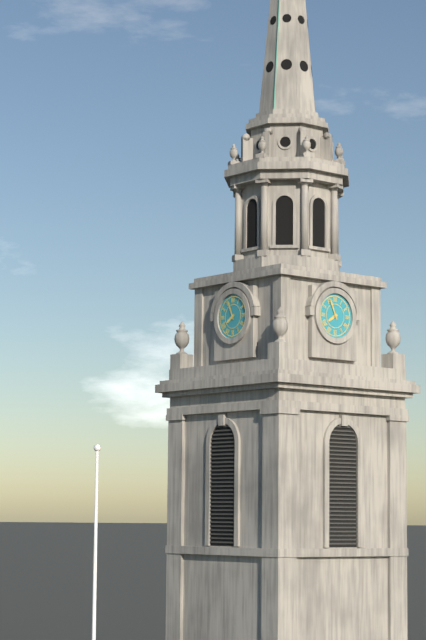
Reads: 7:56
